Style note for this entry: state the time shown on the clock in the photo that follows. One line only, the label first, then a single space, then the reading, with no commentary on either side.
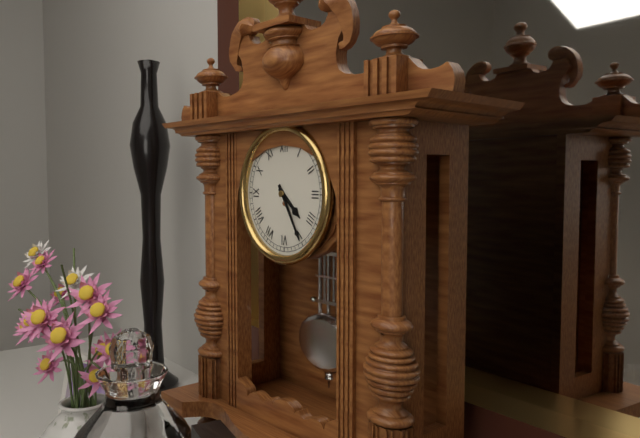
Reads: 4:25
